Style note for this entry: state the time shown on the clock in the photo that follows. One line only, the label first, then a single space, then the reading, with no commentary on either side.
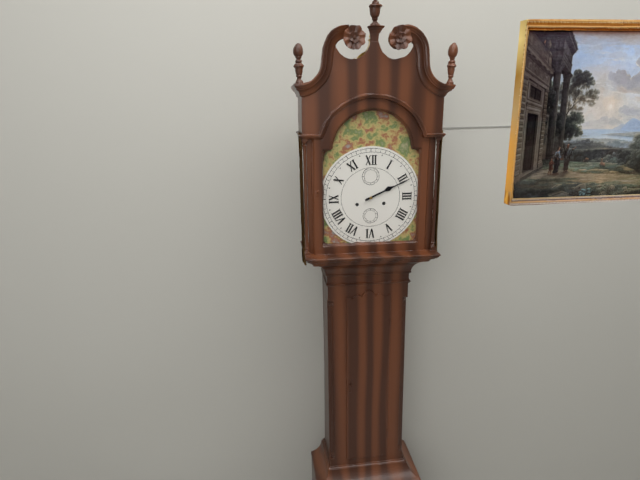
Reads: 2:11
